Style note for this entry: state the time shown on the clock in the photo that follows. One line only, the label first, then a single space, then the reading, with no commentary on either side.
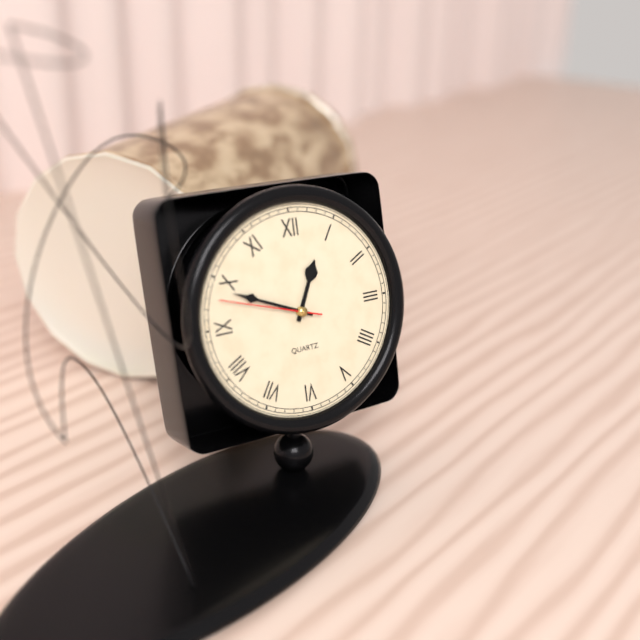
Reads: 12:49:48
